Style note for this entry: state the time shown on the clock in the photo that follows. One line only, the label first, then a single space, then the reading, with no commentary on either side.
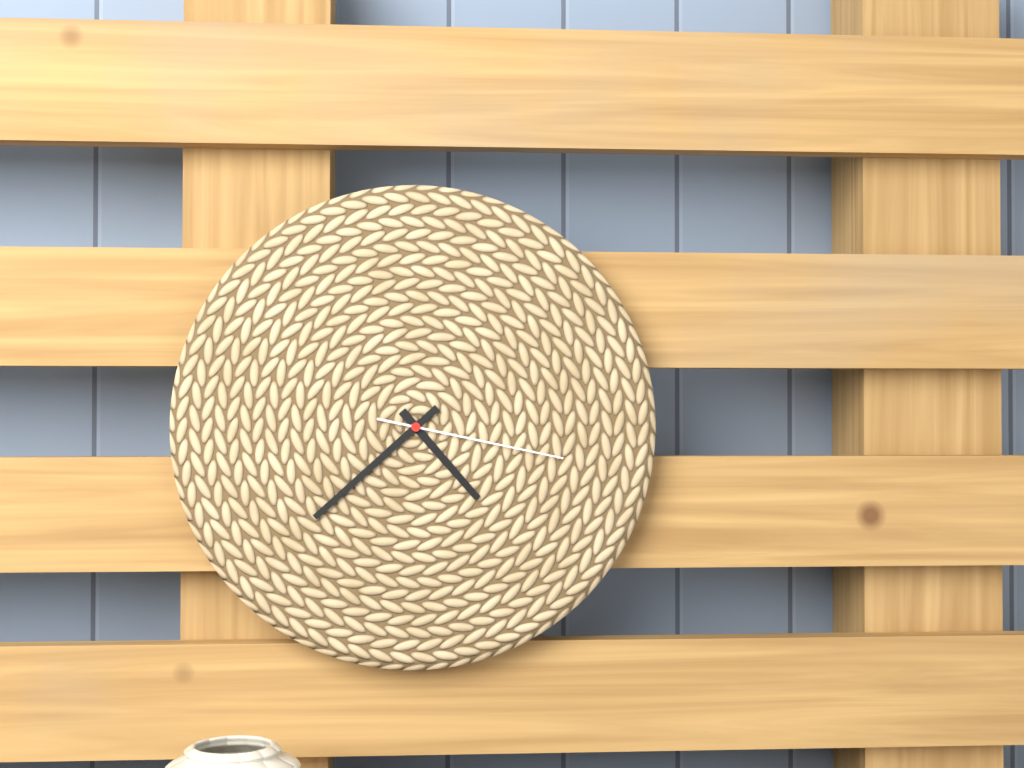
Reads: 4:38:17
